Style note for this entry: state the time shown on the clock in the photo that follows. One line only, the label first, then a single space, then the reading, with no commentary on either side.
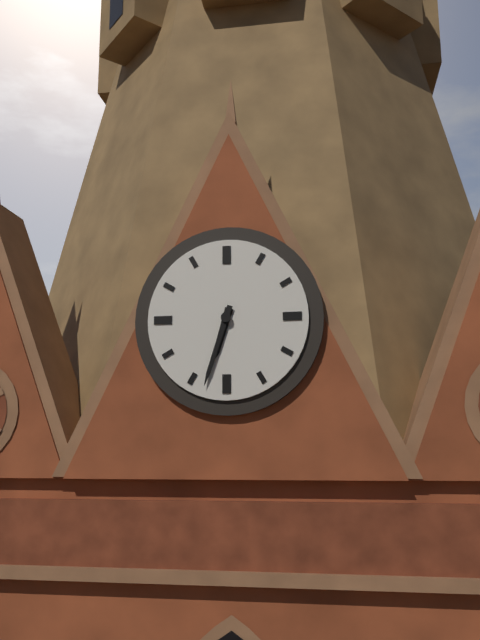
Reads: 6:33
